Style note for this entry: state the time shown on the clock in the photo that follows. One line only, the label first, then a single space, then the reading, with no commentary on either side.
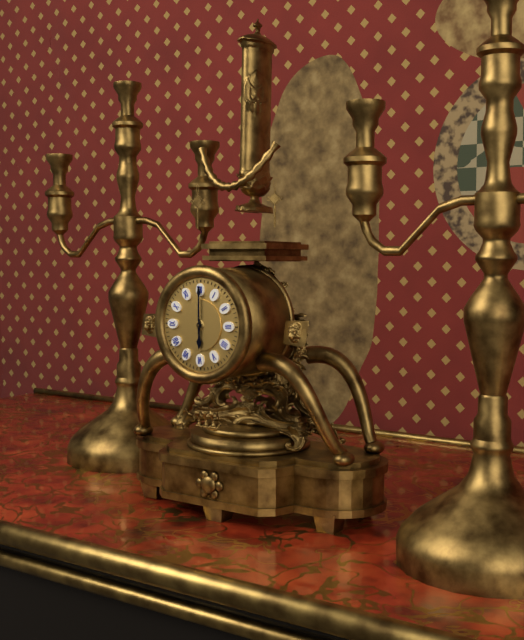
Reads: 6:00
